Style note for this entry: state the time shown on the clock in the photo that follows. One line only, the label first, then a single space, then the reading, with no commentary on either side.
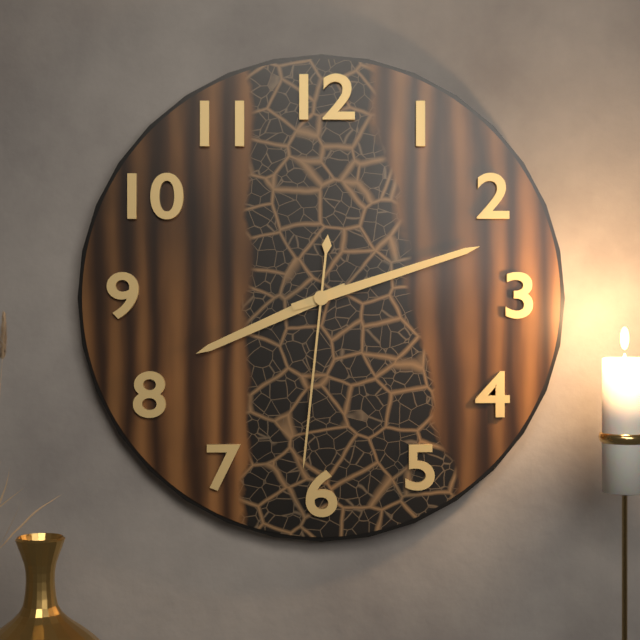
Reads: 8:12:31
